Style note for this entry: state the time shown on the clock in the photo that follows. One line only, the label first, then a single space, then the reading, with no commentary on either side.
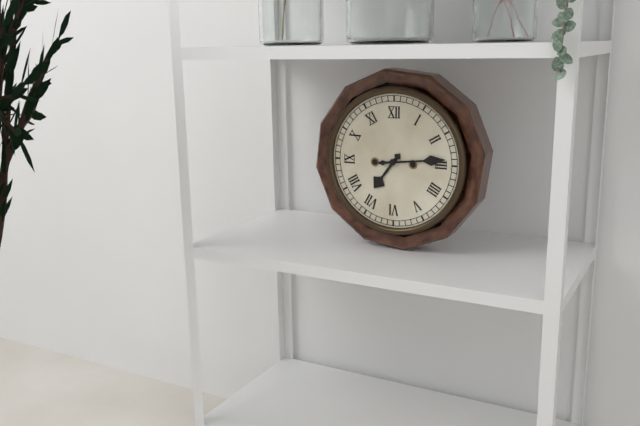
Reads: 7:14
